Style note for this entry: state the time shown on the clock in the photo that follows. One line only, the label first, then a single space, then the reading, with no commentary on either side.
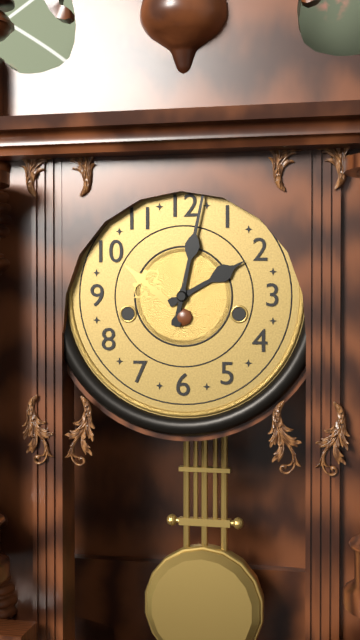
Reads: 2:02
